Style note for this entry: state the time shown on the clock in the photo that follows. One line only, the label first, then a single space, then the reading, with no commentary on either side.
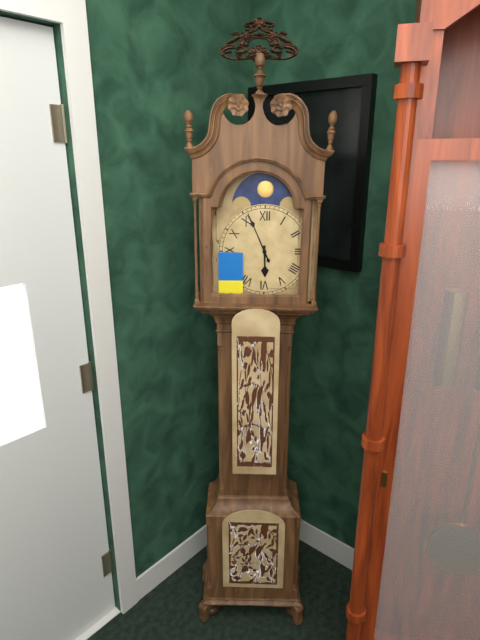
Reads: 5:56
